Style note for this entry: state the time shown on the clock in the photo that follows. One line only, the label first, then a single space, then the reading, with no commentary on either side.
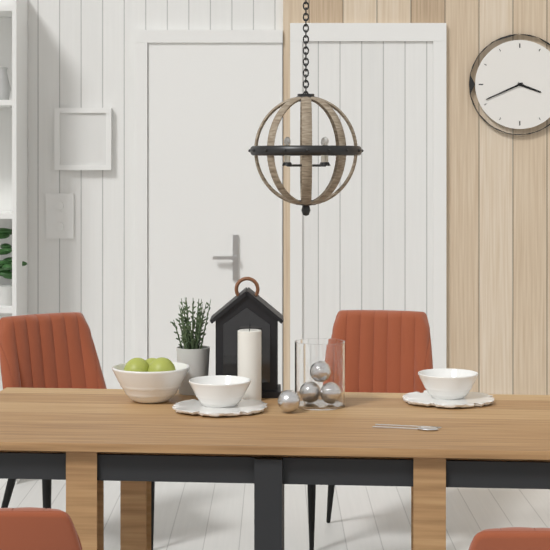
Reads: 3:41
